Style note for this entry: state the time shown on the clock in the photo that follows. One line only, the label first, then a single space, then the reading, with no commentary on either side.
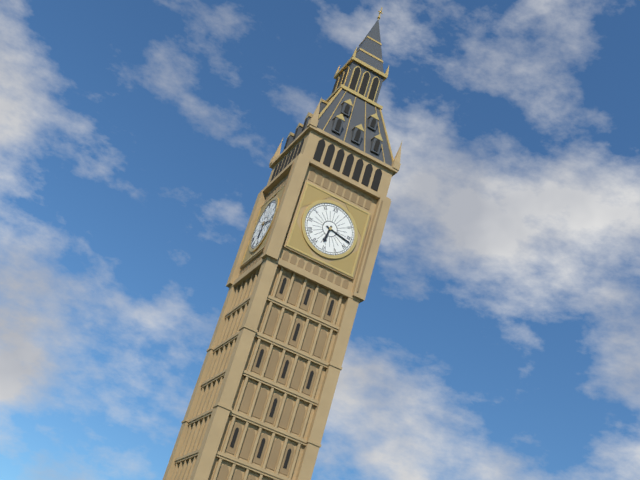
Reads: 6:17
